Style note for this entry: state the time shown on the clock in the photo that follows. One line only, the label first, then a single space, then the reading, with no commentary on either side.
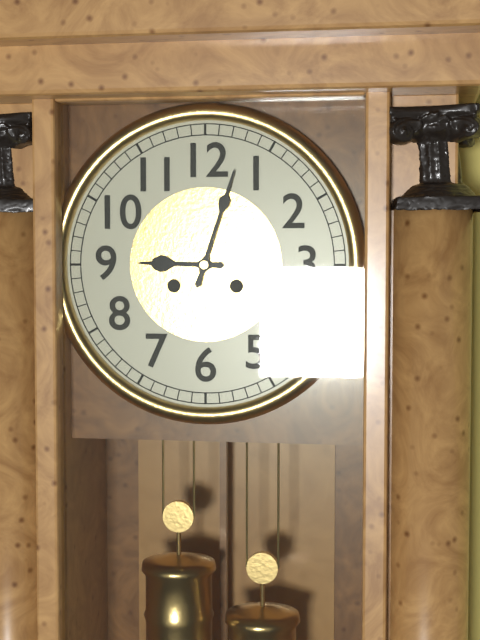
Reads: 9:03
